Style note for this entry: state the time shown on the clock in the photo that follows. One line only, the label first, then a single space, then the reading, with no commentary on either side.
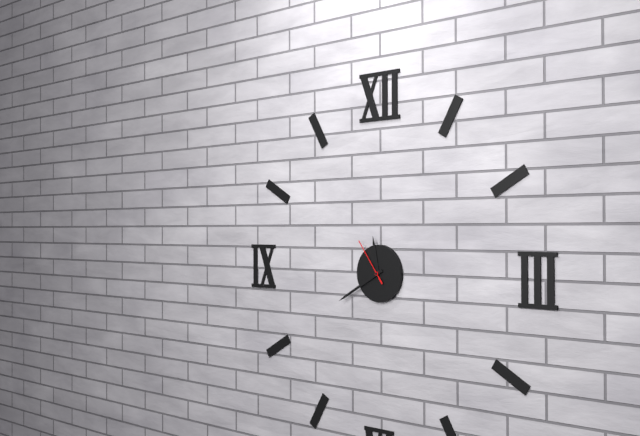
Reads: 11:40:54
